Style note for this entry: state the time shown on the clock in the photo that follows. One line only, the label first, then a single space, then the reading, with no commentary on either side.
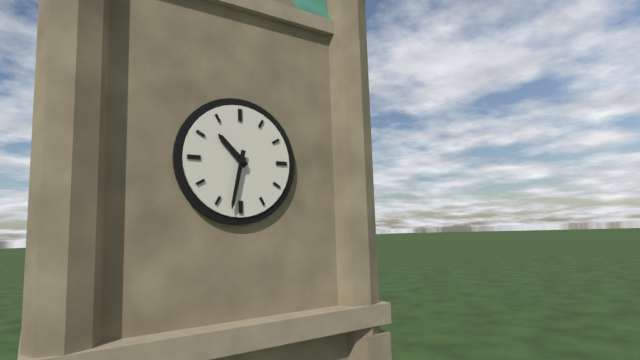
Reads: 10:32
